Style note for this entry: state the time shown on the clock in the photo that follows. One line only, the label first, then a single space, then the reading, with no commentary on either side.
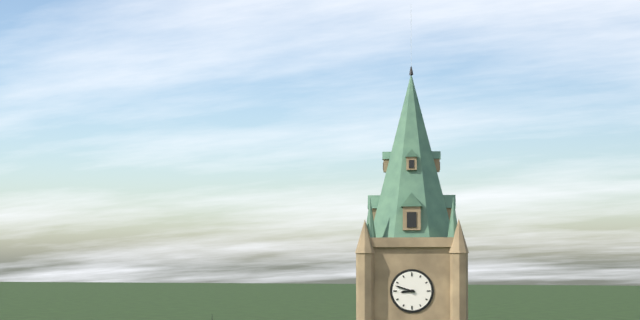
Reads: 8:48
